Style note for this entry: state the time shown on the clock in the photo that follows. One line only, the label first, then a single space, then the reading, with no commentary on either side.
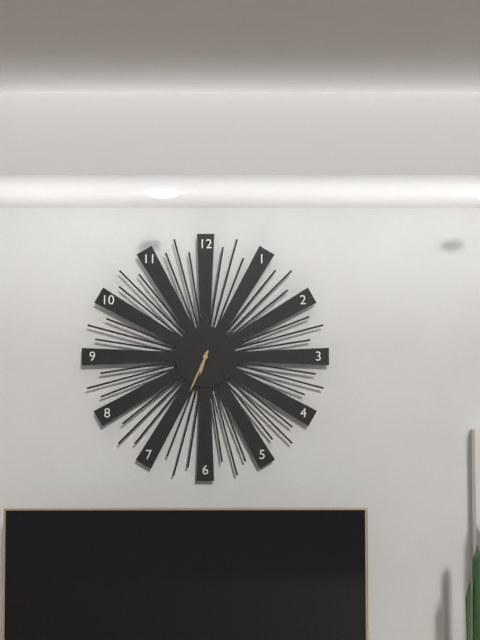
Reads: 6:34
